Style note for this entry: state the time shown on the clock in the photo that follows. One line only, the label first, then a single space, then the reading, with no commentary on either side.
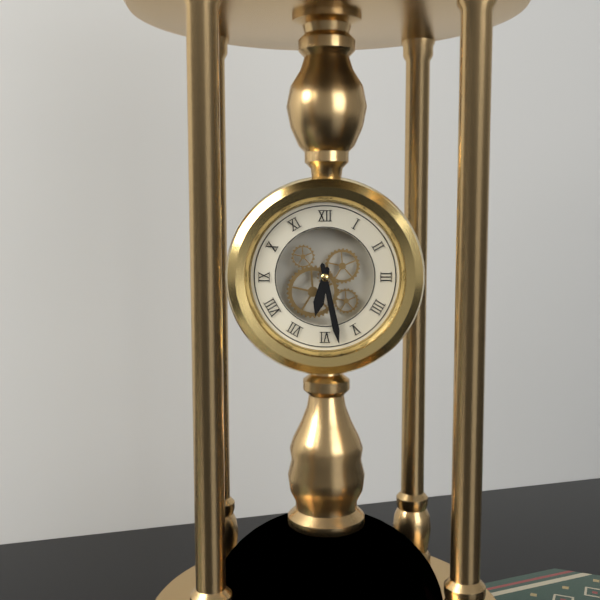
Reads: 6:28
